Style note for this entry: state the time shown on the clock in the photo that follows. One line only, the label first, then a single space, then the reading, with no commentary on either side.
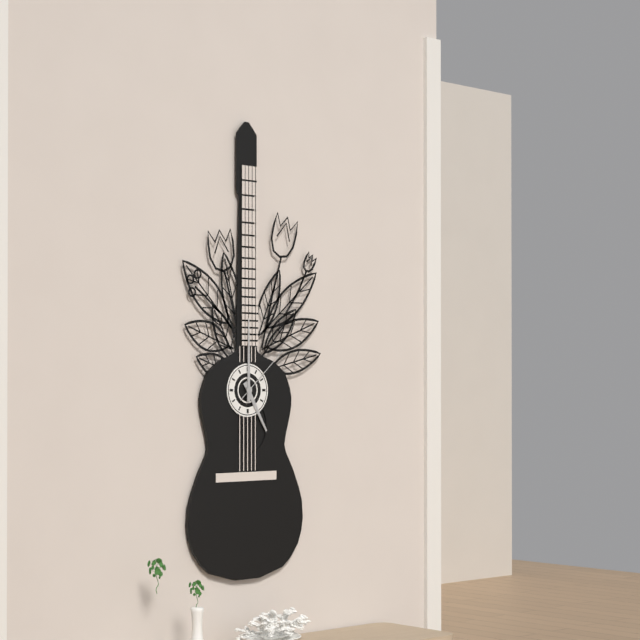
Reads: 5:00:08
